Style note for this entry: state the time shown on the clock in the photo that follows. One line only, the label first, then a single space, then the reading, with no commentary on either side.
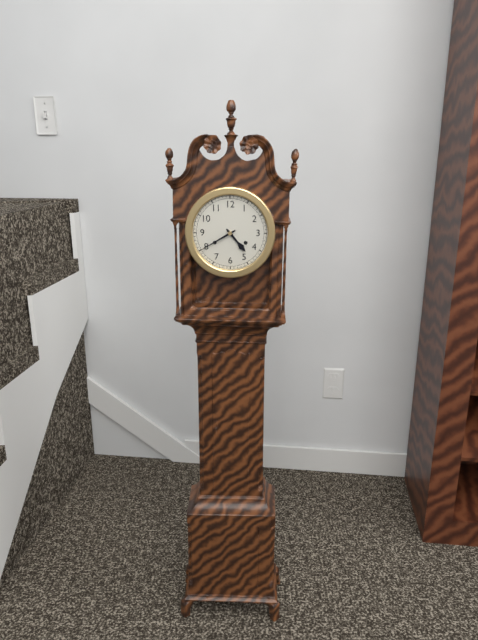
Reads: 4:40
